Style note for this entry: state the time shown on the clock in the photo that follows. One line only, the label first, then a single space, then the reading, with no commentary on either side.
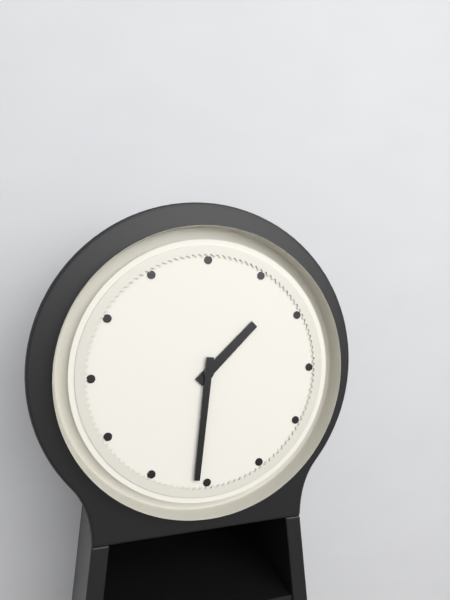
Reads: 1:31
